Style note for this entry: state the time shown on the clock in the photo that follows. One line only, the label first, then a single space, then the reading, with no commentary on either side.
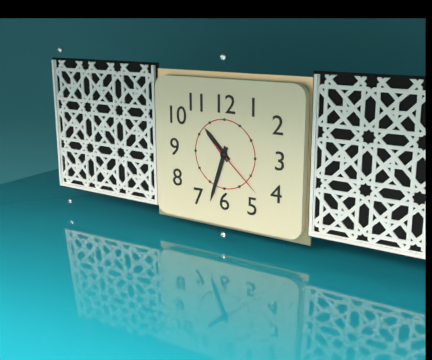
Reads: 10:33:22
